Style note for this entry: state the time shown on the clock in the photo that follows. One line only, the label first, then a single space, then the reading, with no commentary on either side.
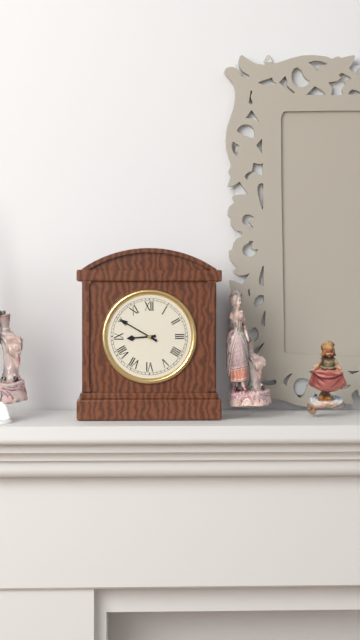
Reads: 8:50
